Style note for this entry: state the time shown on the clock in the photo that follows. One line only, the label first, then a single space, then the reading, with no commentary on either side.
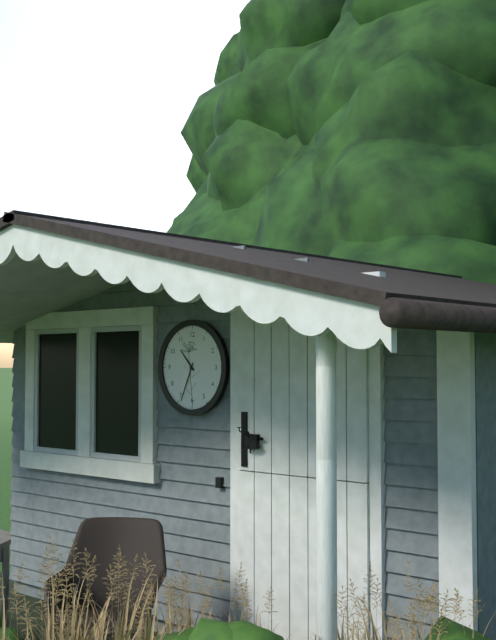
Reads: 10:34
